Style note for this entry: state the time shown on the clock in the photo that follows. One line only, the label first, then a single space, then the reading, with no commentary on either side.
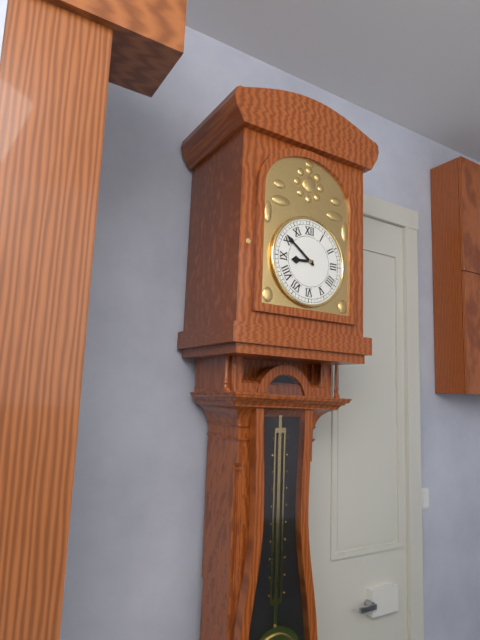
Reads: 8:51
